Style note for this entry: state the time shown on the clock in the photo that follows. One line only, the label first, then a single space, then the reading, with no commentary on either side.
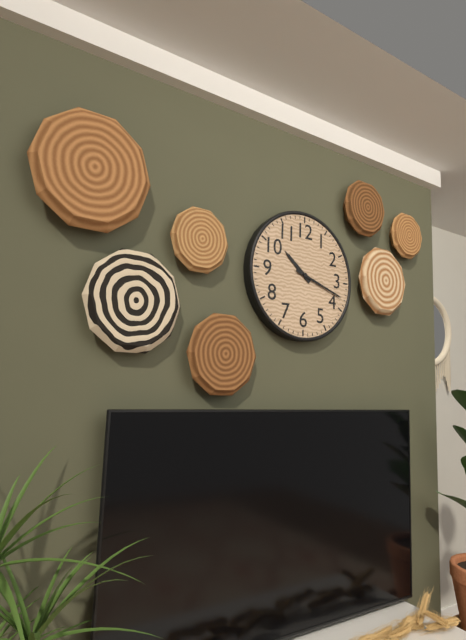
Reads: 10:18
